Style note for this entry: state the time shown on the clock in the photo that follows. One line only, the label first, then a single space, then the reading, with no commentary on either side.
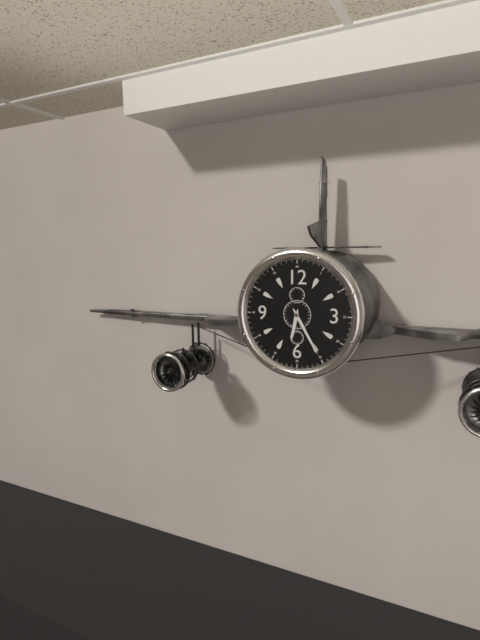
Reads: 6:25
